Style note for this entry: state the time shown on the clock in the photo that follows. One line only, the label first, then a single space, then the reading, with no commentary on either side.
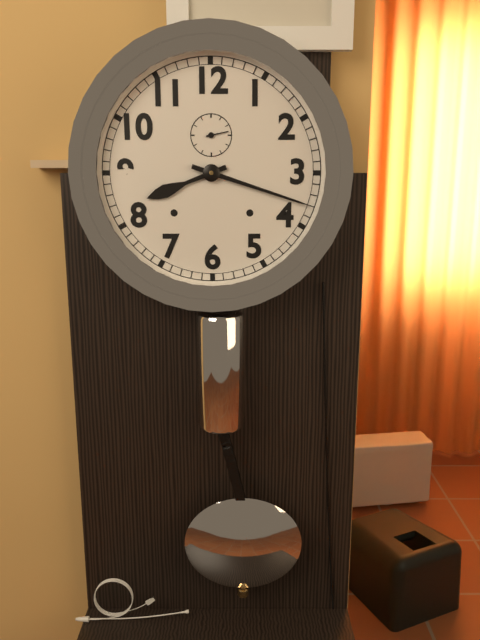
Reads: 8:18
